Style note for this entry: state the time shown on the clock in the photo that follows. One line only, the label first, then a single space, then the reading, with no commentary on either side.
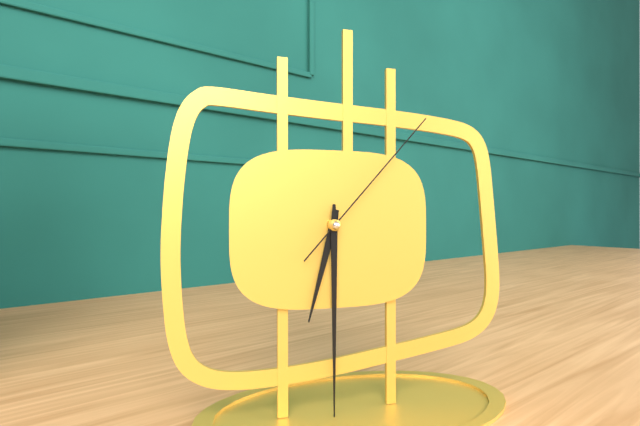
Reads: 6:30:07
